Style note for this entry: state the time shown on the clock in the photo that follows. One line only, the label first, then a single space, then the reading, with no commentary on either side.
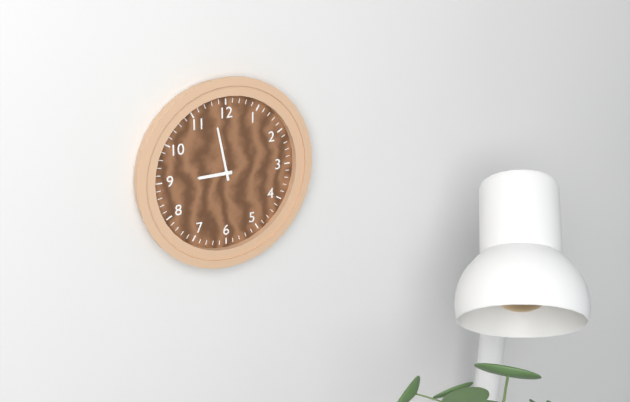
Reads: 8:58
